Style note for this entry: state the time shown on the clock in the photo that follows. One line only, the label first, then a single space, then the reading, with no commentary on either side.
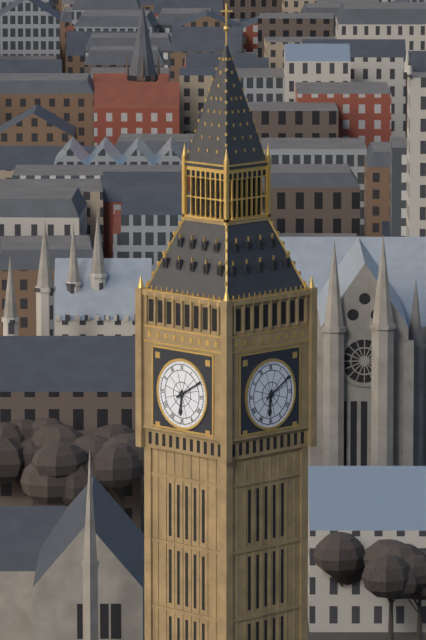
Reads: 6:10
